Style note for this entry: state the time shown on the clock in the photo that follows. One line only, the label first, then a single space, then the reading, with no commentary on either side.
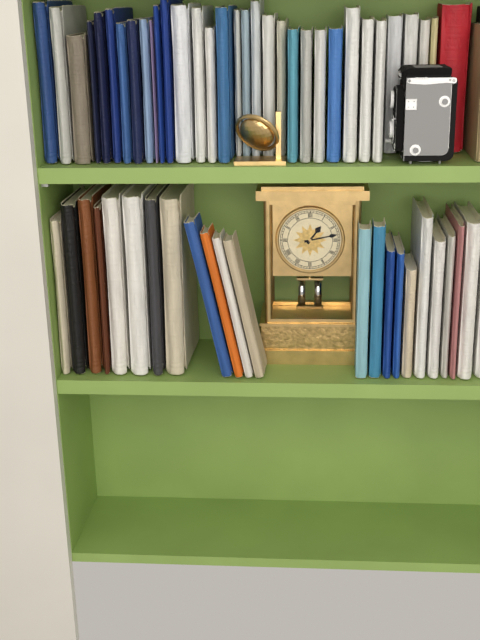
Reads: 1:13
